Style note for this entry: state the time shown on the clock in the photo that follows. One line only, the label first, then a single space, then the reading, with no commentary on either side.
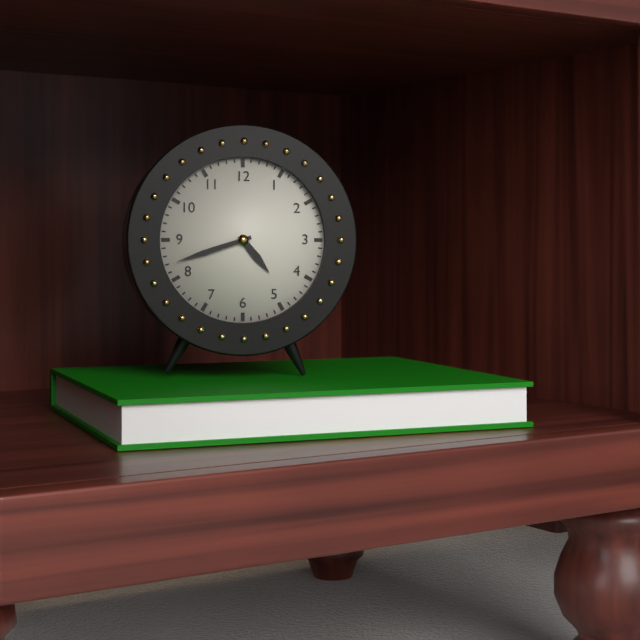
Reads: 4:42
